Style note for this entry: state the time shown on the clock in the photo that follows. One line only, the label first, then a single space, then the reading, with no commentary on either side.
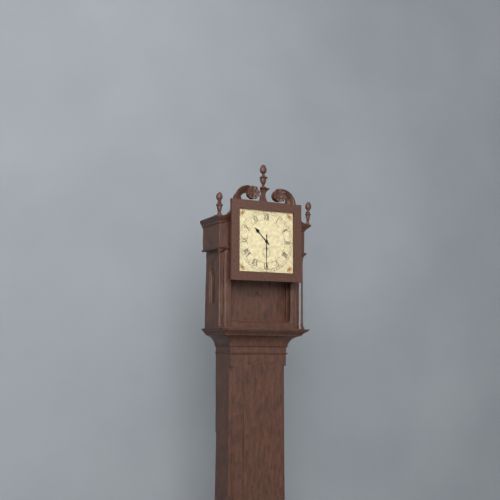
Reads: 10:30
